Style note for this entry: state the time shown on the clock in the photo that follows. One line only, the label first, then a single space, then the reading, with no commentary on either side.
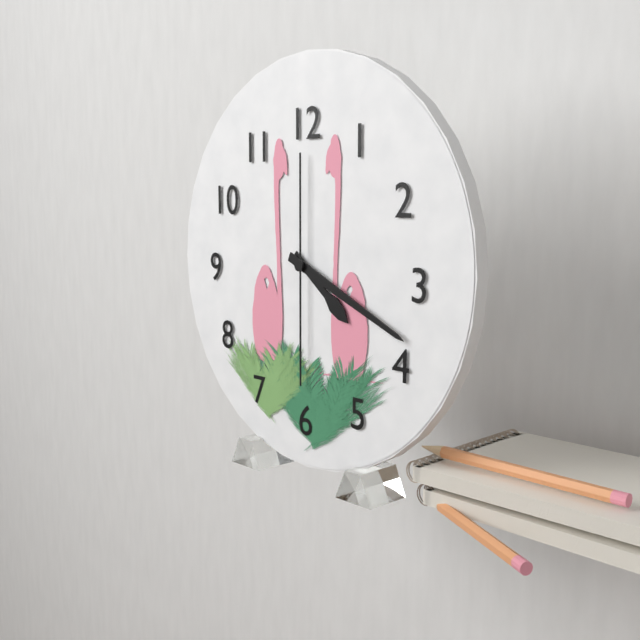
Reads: 4:19:30
